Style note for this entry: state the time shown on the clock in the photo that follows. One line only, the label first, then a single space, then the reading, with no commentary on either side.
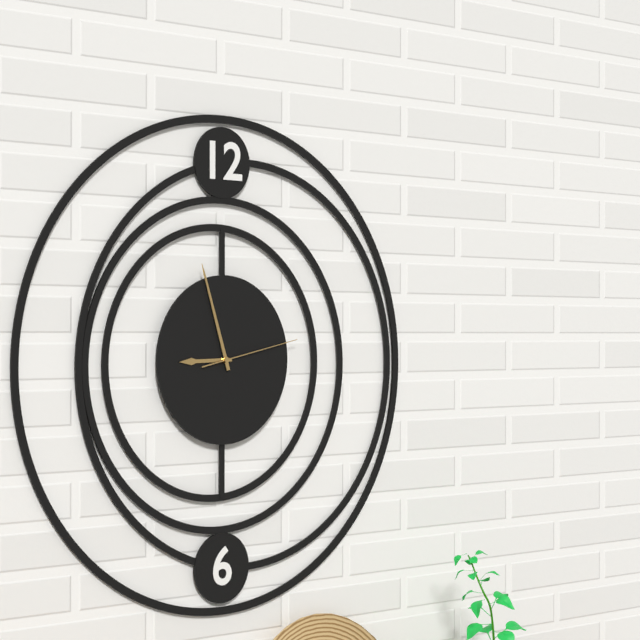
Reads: 8:57:13
